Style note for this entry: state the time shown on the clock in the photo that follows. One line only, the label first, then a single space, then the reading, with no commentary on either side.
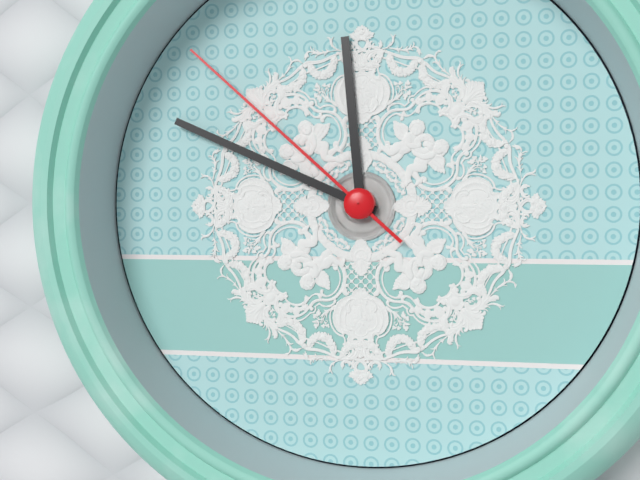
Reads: 11:49:52
